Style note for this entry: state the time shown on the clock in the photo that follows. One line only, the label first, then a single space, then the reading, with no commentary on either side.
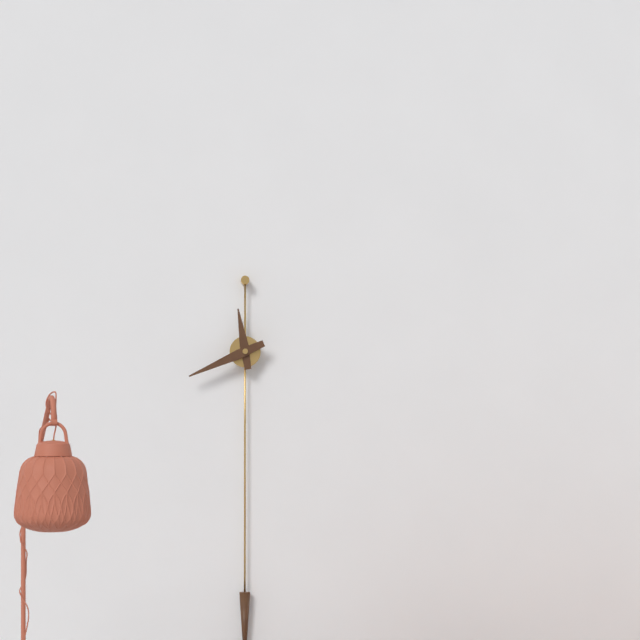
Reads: 11:41
